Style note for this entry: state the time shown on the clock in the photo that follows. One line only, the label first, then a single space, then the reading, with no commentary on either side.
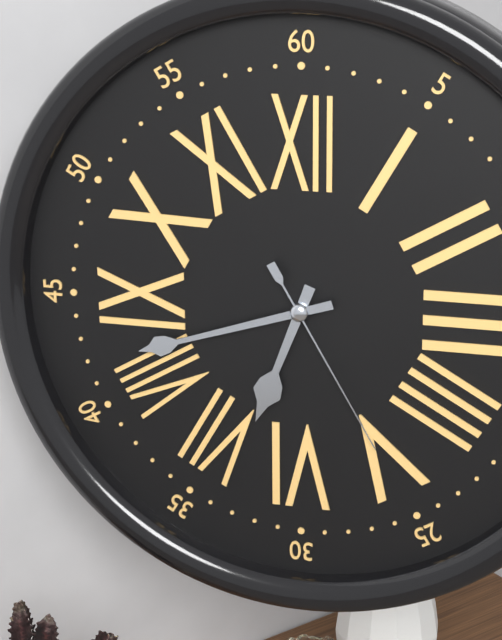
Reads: 6:42:25
